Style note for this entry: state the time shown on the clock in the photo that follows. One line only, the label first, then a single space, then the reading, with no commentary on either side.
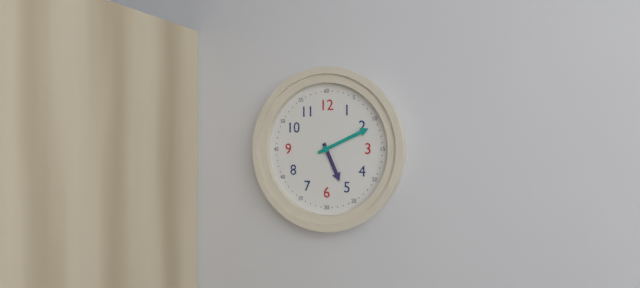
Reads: 5:11
